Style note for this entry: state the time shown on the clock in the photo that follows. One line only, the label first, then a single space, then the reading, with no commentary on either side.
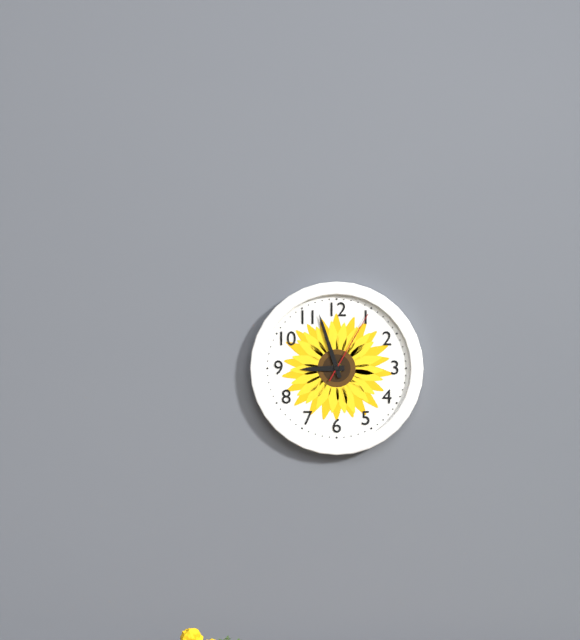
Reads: 8:57:05
